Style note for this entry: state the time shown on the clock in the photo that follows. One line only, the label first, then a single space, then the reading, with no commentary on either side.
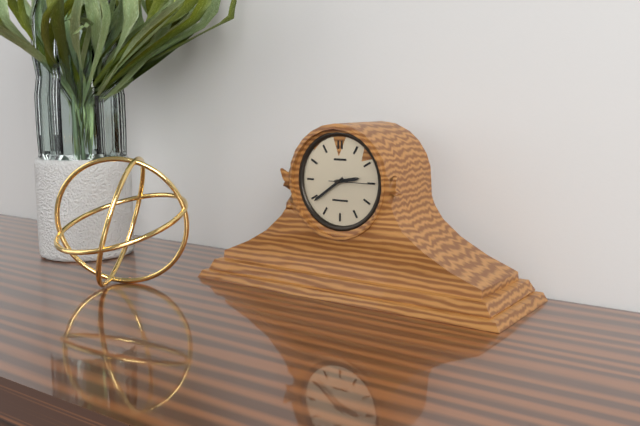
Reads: 2:39
